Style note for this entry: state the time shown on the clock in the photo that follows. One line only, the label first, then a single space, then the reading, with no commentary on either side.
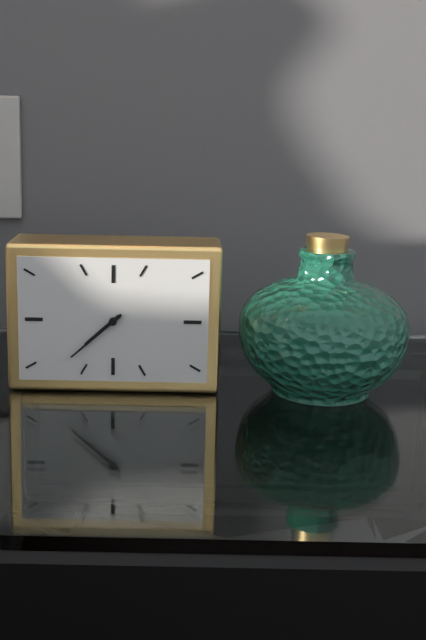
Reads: 7:38
